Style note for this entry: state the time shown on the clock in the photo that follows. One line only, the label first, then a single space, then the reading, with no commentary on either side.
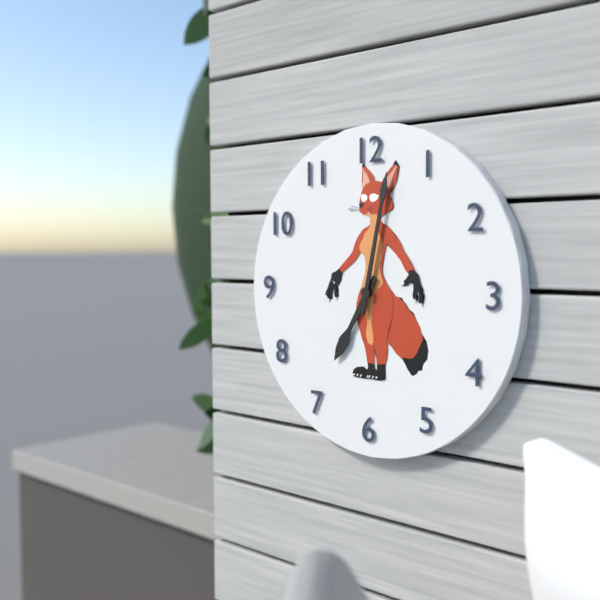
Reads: 7:02
